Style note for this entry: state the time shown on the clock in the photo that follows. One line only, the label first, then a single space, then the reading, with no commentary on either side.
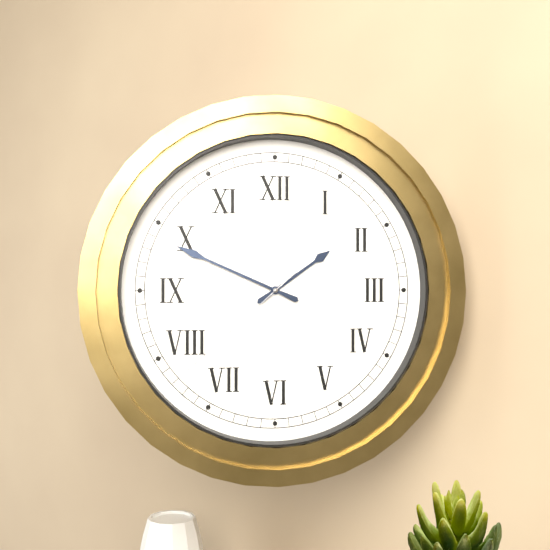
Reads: 1:49:38
